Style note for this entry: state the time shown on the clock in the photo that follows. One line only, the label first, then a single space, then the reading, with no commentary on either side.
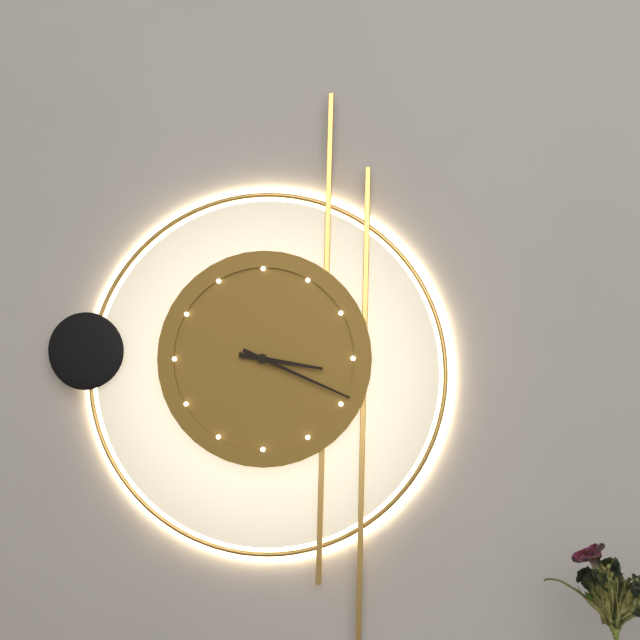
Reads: 3:19
